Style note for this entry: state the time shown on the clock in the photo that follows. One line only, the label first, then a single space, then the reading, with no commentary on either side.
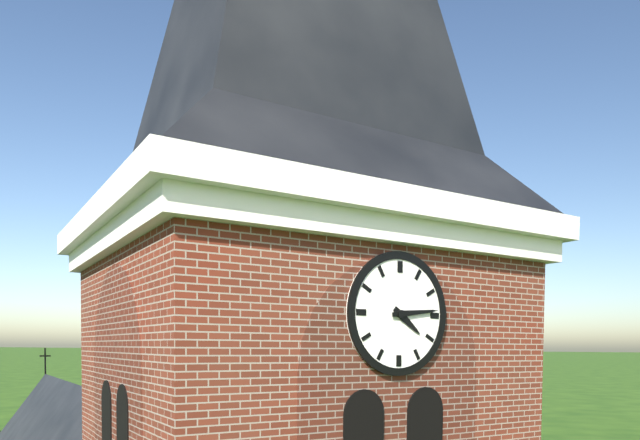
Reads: 4:14
